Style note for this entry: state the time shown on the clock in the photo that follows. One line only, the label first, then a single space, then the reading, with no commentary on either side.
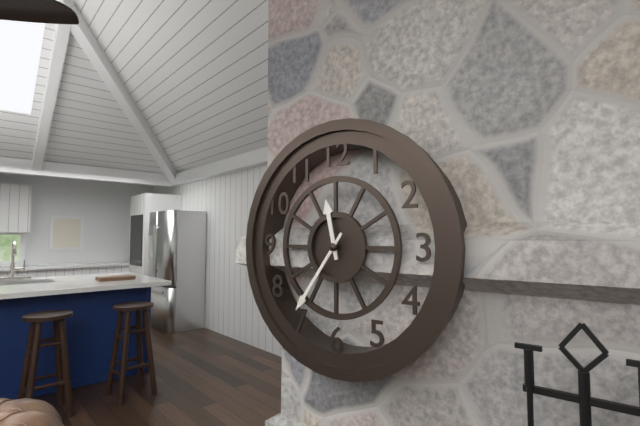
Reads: 11:36
